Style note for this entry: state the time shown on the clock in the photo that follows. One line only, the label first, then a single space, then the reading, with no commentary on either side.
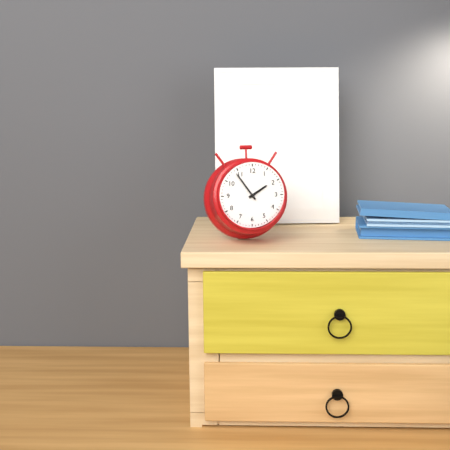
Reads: 1:54
